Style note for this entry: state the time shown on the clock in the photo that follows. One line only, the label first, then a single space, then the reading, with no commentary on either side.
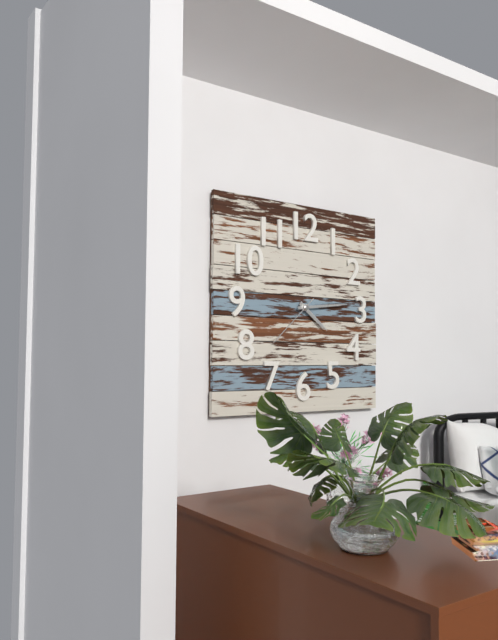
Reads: 4:14:38
